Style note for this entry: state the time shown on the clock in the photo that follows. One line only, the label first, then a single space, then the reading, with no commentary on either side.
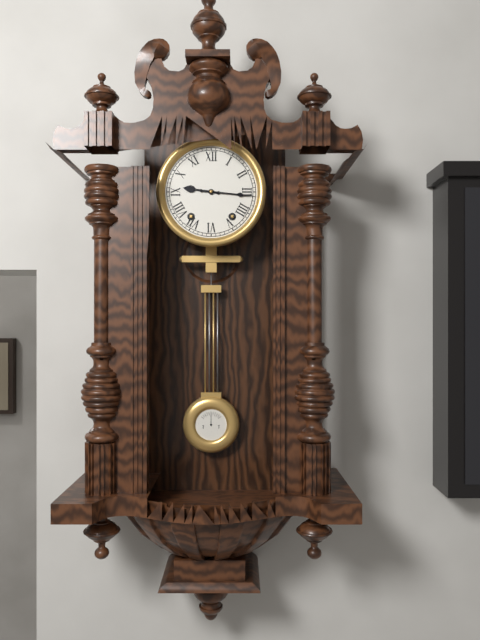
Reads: 9:16
